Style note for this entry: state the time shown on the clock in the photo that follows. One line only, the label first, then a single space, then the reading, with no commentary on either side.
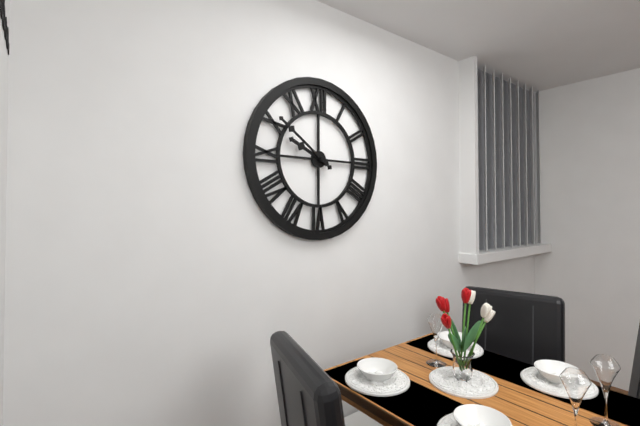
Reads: 9:51
